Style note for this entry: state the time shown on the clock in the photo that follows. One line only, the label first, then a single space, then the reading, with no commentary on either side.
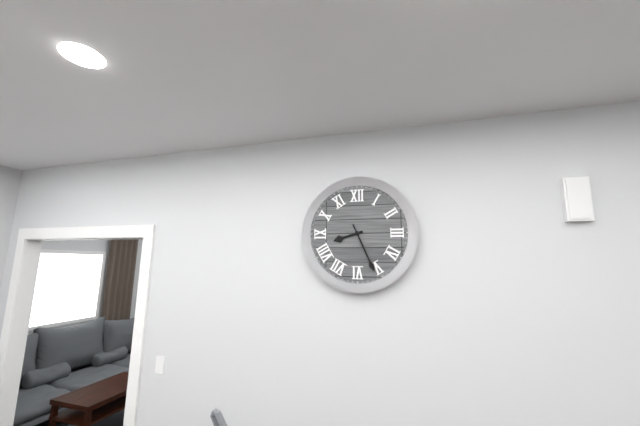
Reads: 8:26
